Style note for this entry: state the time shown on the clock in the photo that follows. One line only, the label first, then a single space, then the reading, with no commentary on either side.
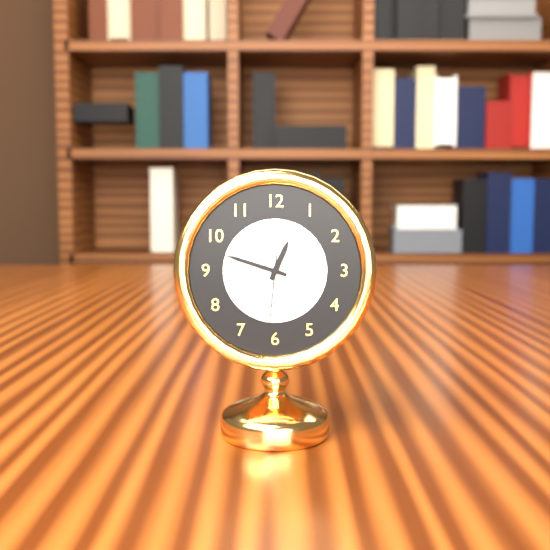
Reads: 12:48:31
